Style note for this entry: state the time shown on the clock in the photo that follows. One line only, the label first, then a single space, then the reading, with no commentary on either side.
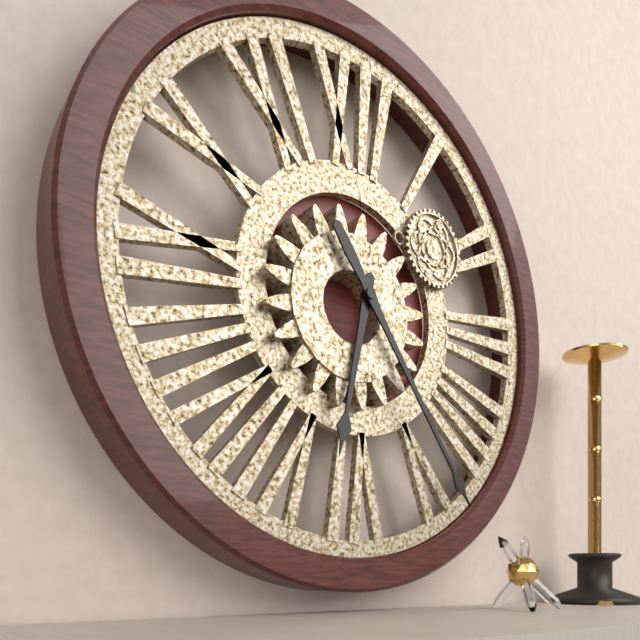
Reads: 6:24
